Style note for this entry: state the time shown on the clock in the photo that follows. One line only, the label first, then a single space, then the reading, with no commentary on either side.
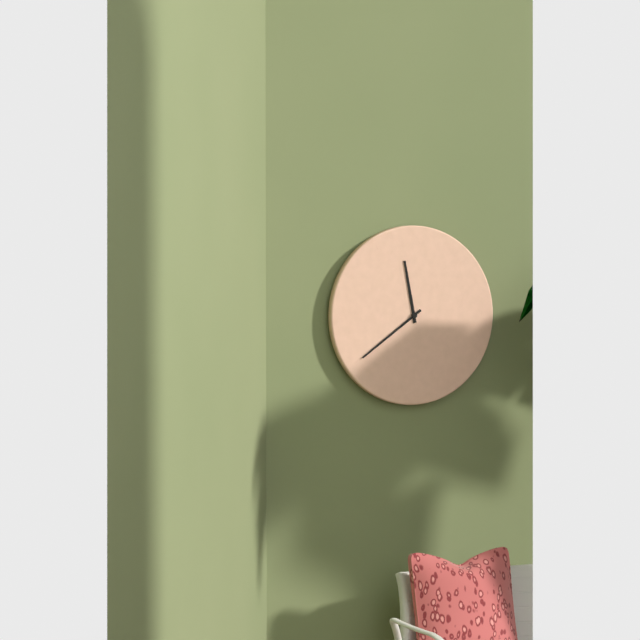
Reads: 11:39
